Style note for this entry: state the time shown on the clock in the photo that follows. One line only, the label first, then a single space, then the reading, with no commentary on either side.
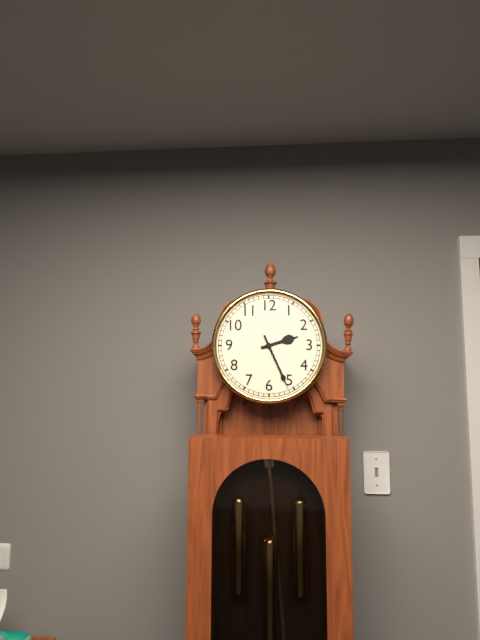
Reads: 2:26
